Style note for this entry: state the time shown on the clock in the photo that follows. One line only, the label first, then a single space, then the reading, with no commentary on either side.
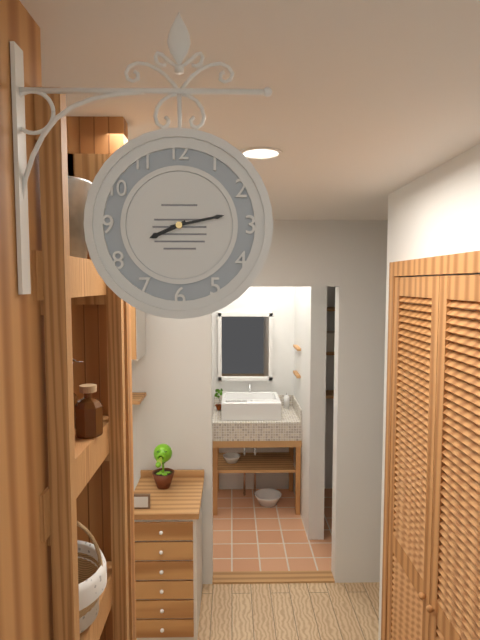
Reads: 8:13
